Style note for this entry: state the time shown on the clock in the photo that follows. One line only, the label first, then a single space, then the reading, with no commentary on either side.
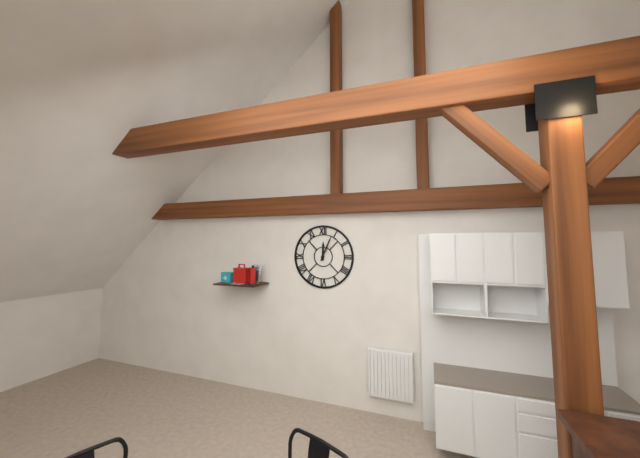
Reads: 12:04
